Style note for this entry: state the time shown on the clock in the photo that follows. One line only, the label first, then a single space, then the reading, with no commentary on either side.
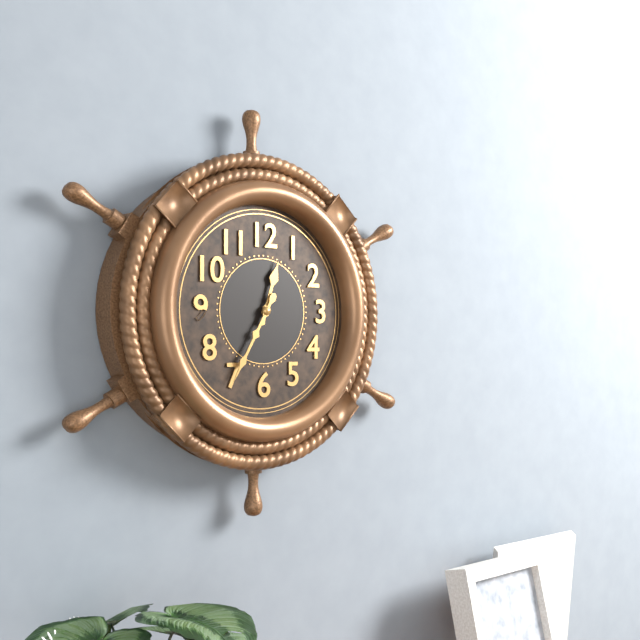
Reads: 12:35
